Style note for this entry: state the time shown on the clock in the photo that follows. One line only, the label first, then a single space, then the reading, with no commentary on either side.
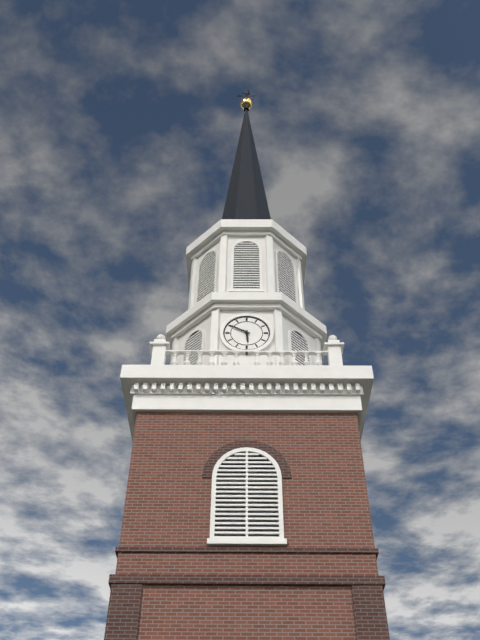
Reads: 5:50
